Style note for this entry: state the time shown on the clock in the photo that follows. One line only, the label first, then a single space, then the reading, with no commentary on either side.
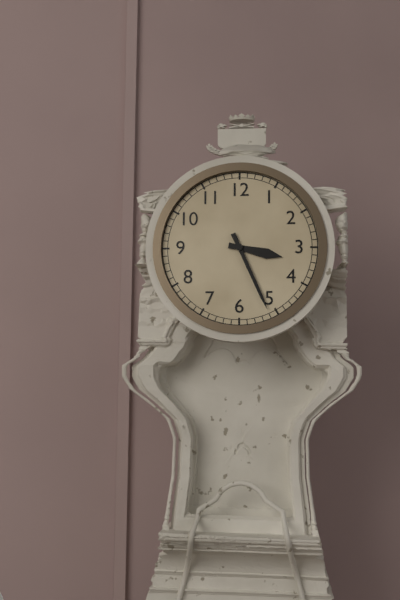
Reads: 3:26
